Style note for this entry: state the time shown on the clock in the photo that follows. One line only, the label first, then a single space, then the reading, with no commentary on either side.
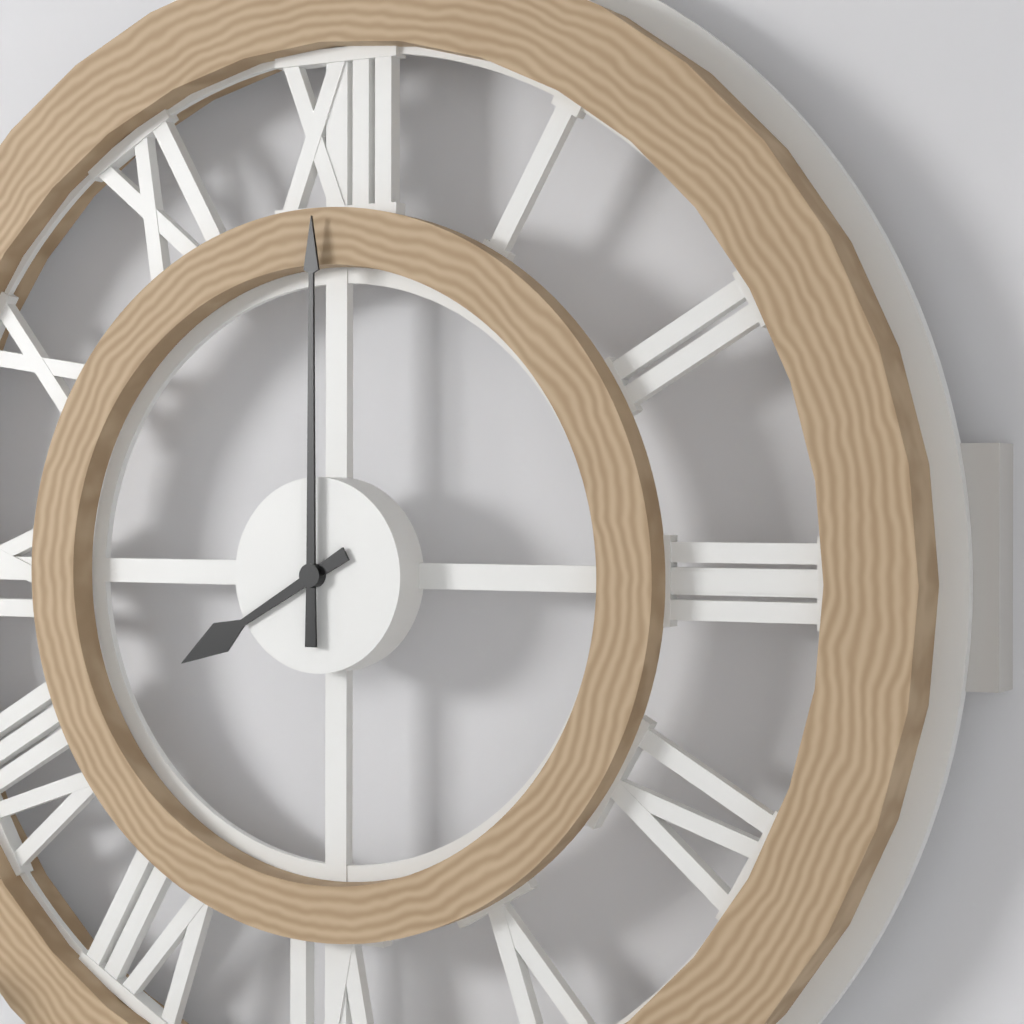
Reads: 8:00
